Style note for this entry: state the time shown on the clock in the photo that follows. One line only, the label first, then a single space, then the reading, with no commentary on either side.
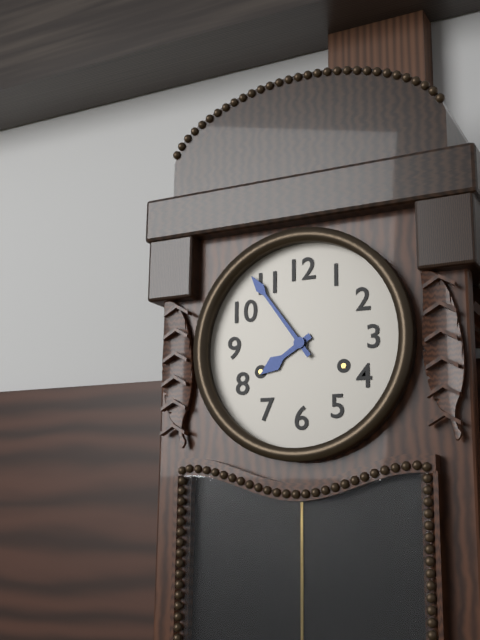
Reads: 7:54
